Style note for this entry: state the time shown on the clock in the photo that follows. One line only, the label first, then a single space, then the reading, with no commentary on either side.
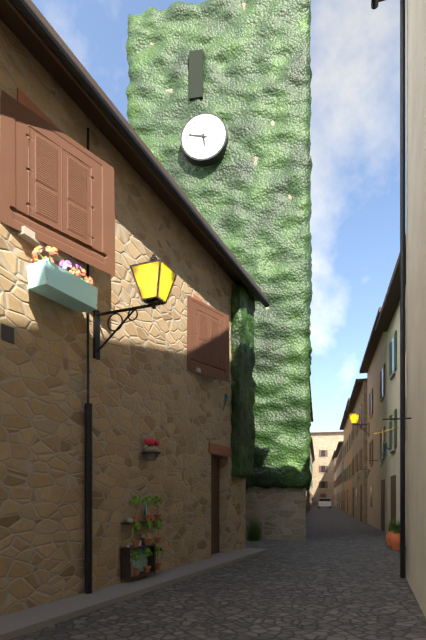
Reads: 5:47
